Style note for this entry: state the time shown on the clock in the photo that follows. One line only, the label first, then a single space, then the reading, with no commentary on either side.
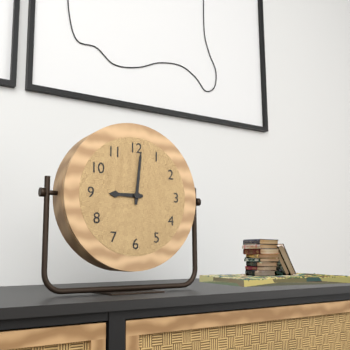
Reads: 9:01
